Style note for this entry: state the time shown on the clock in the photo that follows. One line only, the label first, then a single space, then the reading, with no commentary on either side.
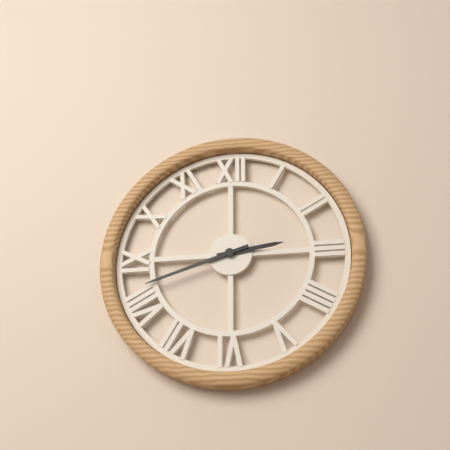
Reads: 2:42
